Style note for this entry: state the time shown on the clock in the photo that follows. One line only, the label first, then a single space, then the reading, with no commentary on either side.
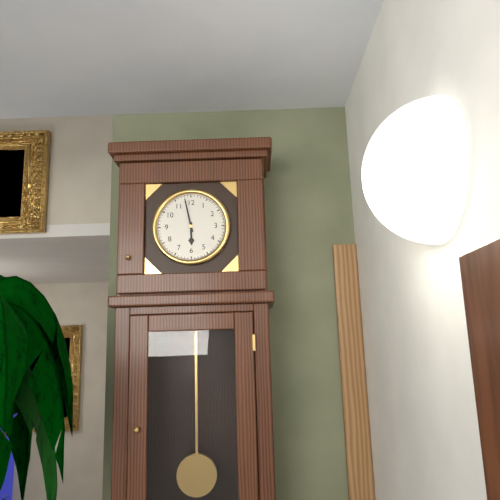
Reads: 5:58
